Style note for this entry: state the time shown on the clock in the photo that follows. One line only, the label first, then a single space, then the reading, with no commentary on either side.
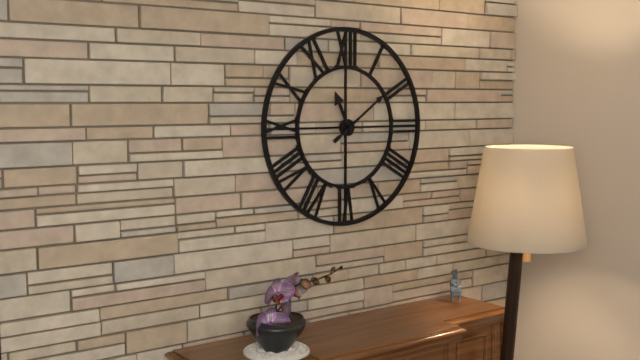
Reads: 11:09
